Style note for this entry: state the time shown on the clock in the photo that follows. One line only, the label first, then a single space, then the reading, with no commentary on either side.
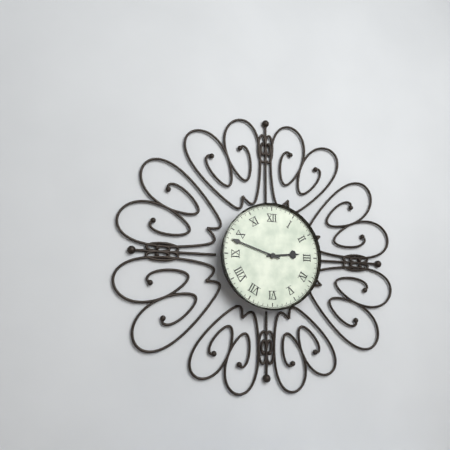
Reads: 2:48
